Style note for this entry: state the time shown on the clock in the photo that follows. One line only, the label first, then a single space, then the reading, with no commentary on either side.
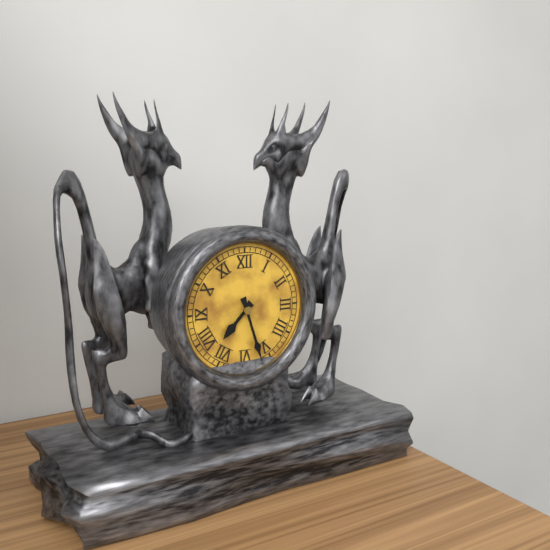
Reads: 7:27
